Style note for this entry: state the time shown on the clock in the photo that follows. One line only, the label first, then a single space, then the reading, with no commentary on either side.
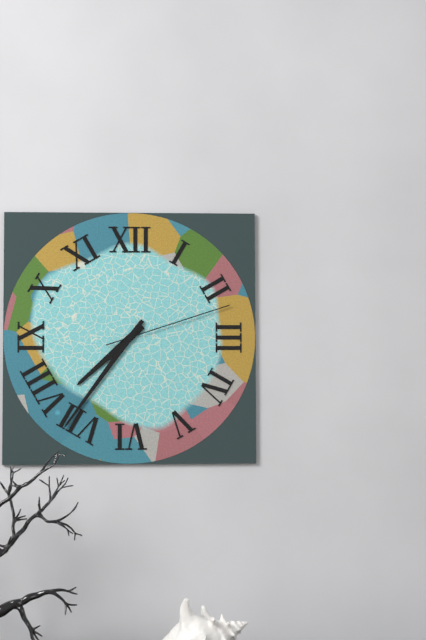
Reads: 7:36:12
